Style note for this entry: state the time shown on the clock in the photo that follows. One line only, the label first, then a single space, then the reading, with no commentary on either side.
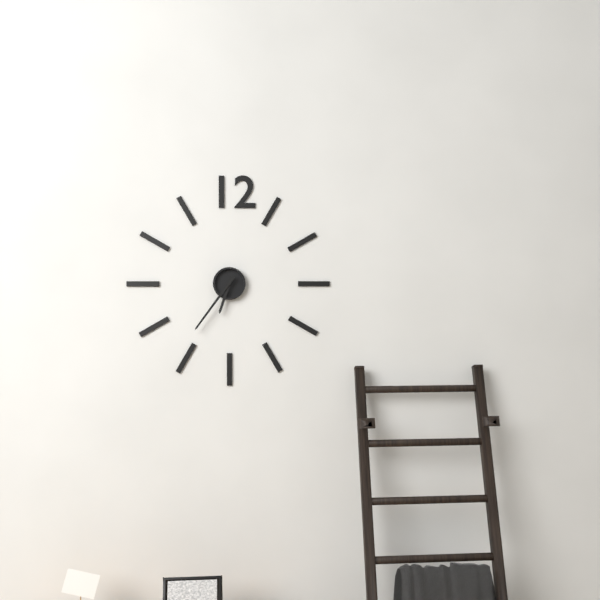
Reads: 6:36
